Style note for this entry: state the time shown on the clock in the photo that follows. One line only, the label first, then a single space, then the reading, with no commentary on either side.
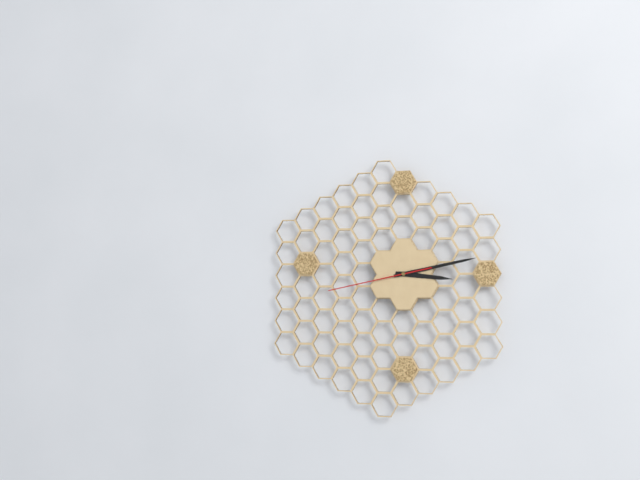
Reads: 3:13:43
